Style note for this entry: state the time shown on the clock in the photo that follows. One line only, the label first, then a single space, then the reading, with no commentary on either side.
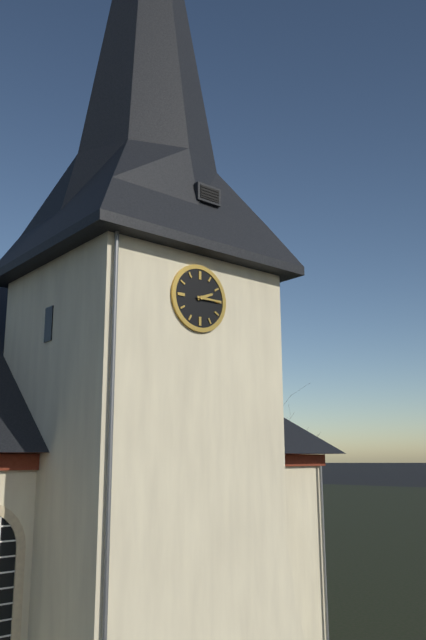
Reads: 2:15
